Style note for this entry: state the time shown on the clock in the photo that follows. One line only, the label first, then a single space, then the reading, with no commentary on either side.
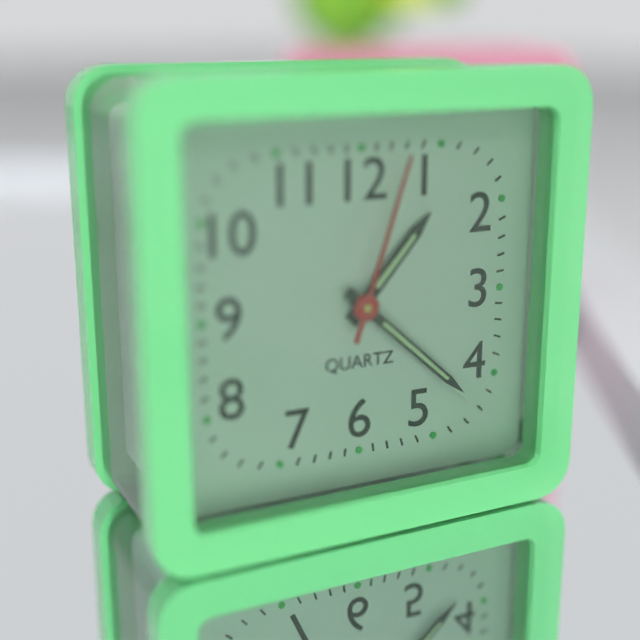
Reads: 1:22:03
